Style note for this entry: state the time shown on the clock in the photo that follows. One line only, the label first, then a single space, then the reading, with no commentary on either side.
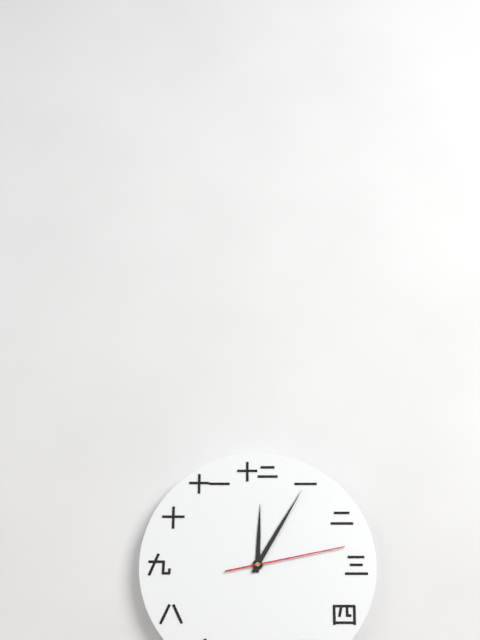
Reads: 12:05:13
